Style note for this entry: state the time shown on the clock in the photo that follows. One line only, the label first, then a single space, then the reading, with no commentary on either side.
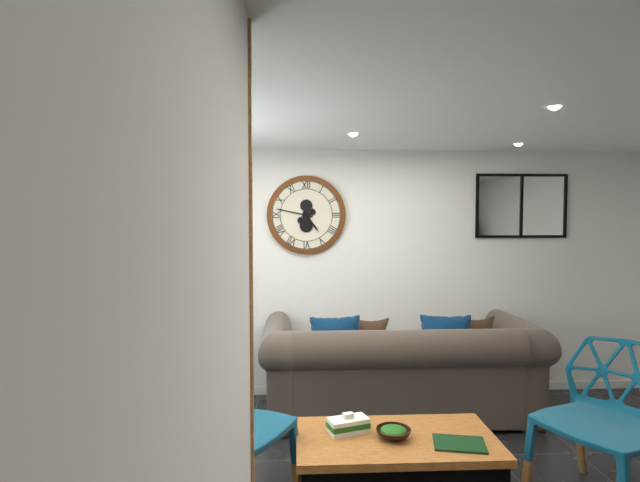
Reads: 4:47
